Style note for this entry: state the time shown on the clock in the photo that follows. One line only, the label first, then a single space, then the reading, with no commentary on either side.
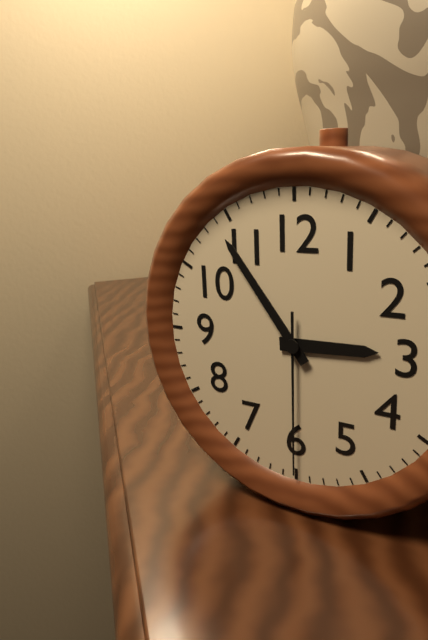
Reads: 2:54:30
